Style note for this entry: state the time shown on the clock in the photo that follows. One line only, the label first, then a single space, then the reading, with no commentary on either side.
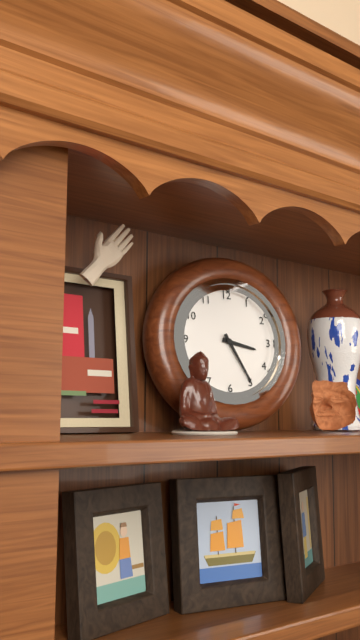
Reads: 3:25
